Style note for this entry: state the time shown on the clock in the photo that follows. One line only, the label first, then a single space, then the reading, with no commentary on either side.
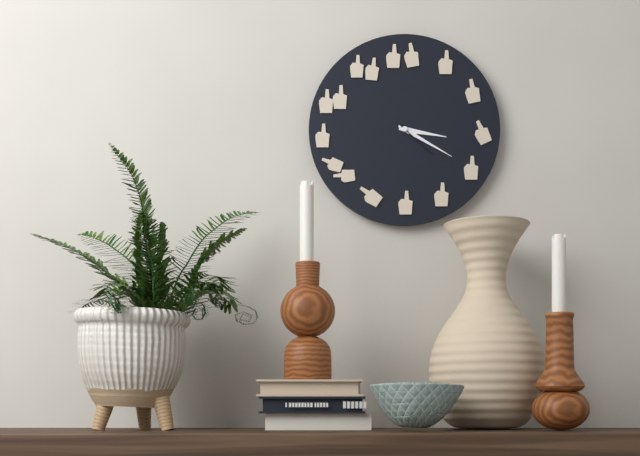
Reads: 3:20
